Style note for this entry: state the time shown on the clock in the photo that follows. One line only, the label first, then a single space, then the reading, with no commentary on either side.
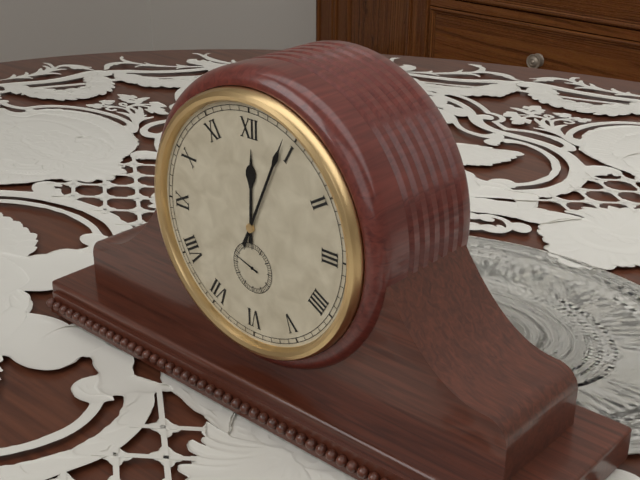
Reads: 12:04:48
